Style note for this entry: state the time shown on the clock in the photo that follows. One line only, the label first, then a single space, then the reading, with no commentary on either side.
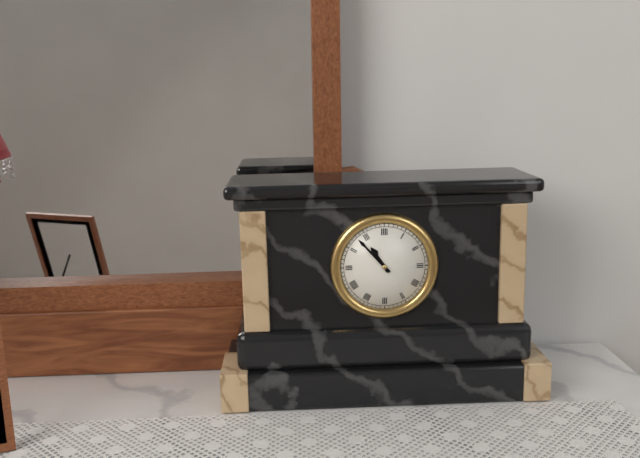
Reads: 10:53
